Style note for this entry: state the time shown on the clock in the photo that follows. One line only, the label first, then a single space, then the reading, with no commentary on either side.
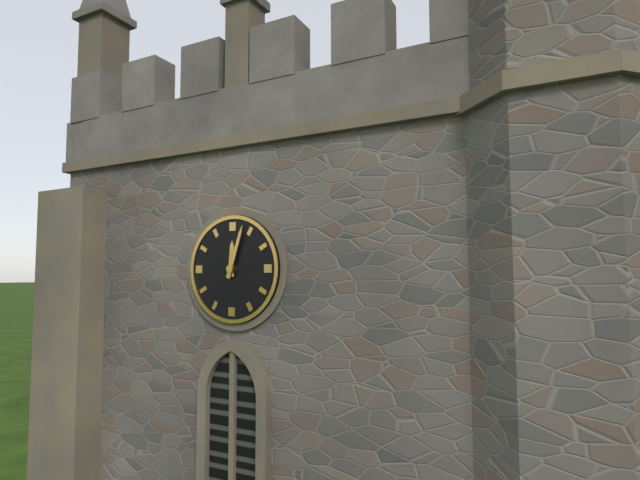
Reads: 12:03
